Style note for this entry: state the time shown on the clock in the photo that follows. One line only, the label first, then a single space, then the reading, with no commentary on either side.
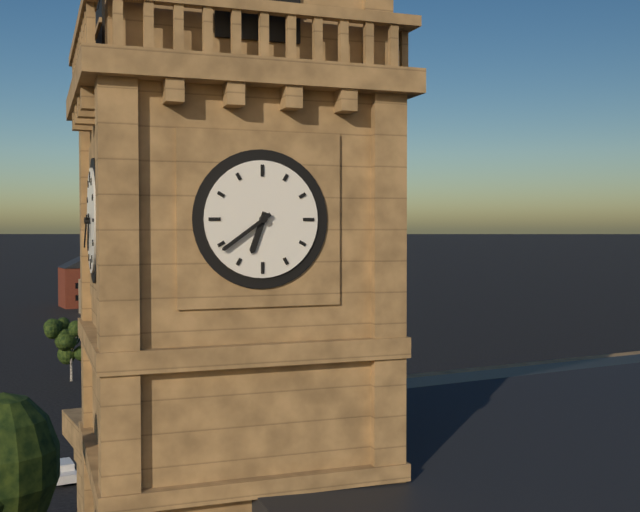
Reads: 6:39
